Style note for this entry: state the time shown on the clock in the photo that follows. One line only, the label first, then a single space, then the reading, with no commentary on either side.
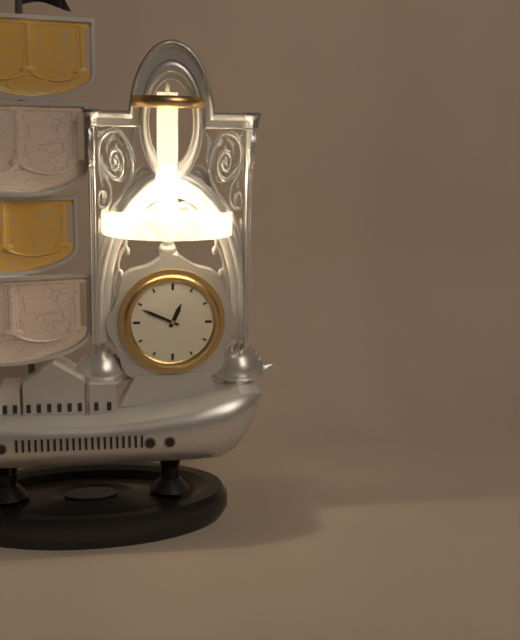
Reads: 12:49
